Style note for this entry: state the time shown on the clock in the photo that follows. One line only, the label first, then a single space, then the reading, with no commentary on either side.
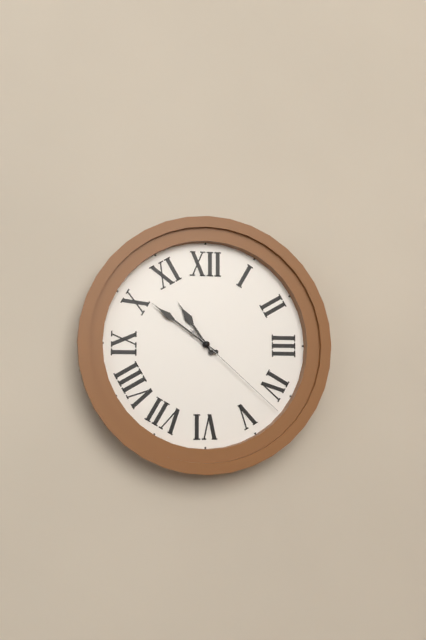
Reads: 10:51:22
